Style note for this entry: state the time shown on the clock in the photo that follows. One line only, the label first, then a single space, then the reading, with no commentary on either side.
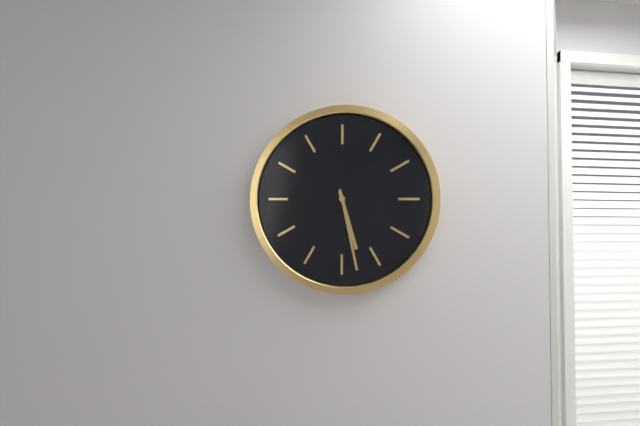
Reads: 5:28
